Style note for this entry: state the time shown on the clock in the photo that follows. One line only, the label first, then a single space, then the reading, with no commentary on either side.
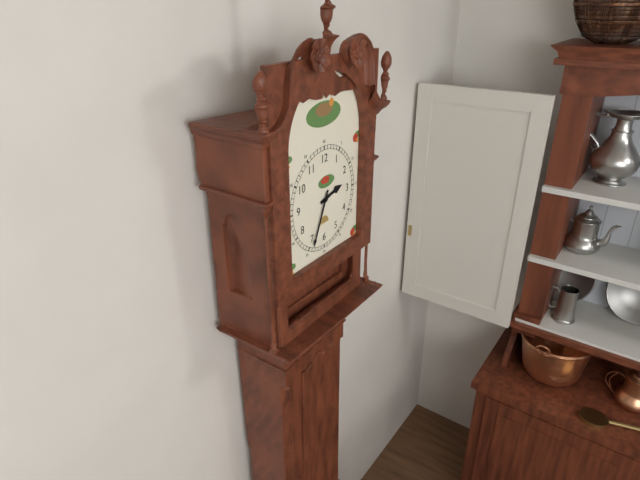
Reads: 2:34
